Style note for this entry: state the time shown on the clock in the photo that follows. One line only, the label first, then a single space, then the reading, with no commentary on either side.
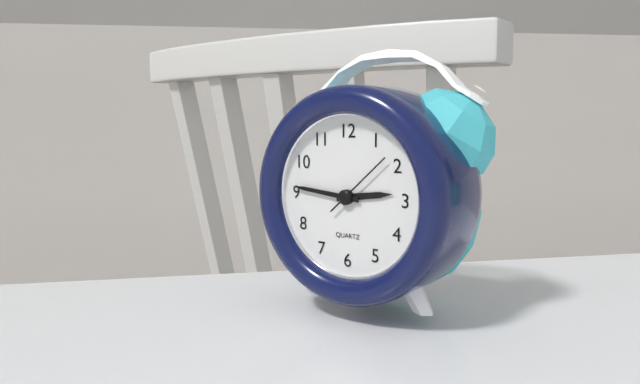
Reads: 2:46:08
